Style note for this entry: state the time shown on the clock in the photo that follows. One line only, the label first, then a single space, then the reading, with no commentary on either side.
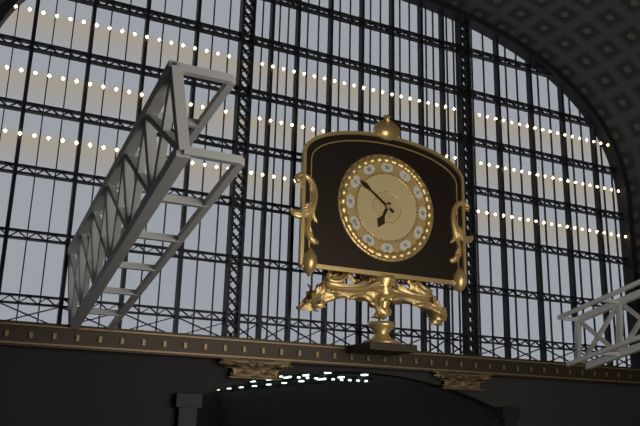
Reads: 6:51
